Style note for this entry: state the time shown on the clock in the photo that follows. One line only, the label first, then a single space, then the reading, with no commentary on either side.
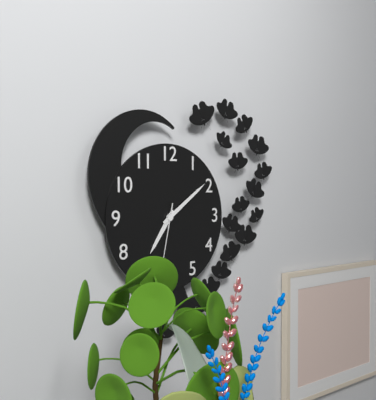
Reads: 7:09:32
